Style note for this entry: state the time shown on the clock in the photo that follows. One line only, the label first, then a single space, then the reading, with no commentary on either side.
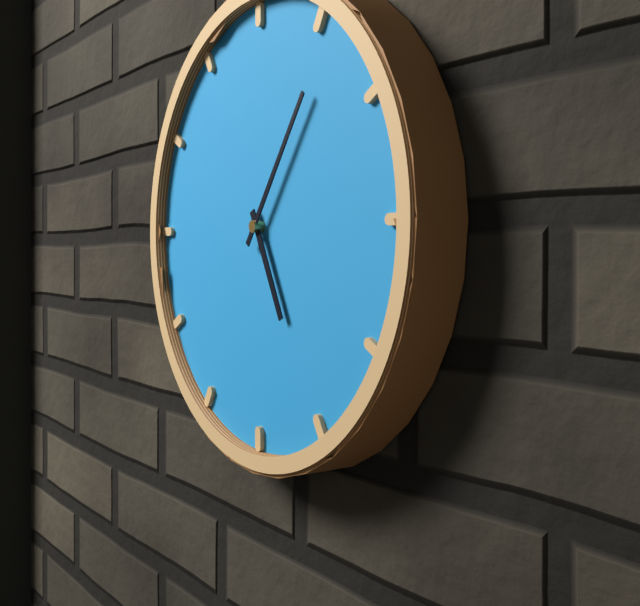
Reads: 5:06
